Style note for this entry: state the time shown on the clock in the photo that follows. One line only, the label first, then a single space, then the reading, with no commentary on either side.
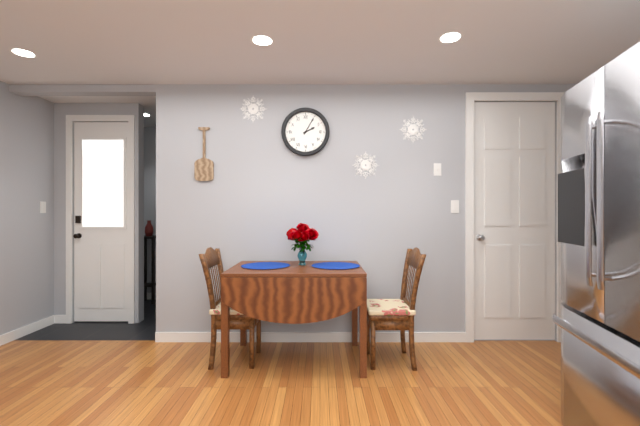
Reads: 2:05
